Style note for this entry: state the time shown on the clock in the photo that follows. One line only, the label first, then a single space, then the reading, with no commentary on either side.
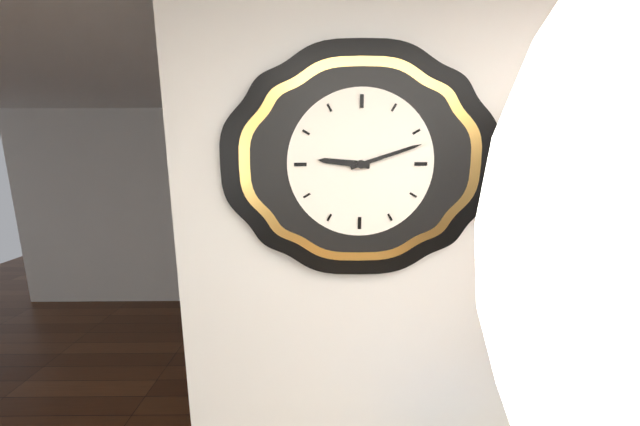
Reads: 9:12
